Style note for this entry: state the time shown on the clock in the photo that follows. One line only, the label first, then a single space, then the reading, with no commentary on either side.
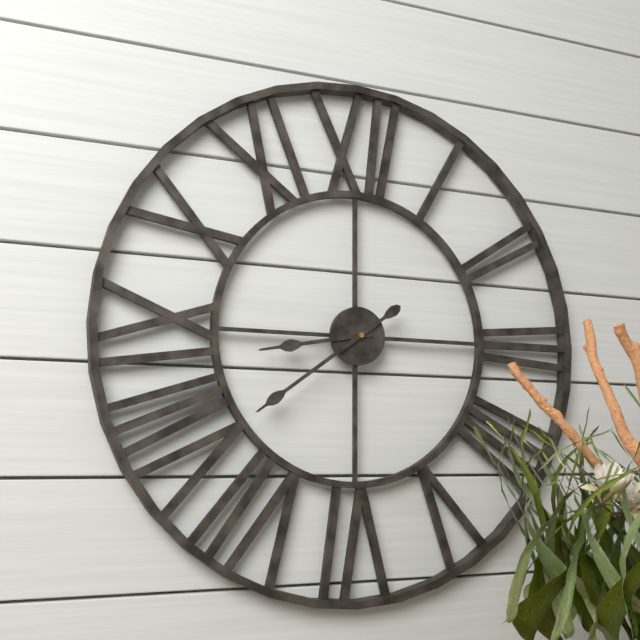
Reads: 8:39
